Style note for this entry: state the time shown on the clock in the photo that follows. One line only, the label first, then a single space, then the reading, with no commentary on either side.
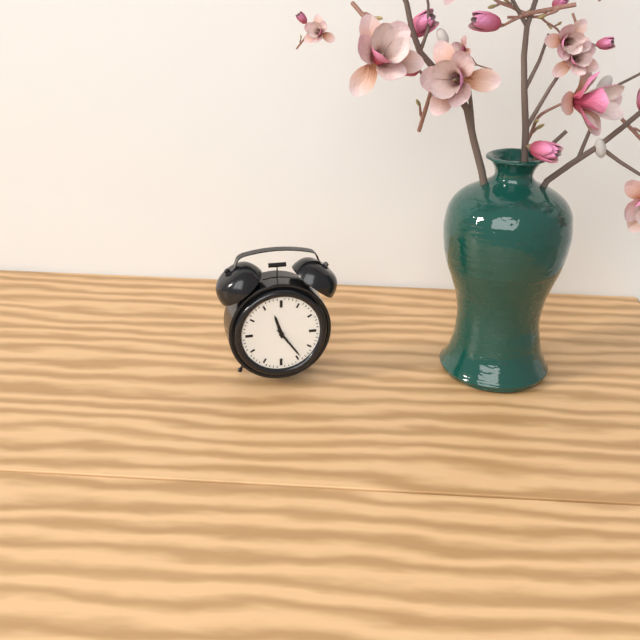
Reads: 11:24
